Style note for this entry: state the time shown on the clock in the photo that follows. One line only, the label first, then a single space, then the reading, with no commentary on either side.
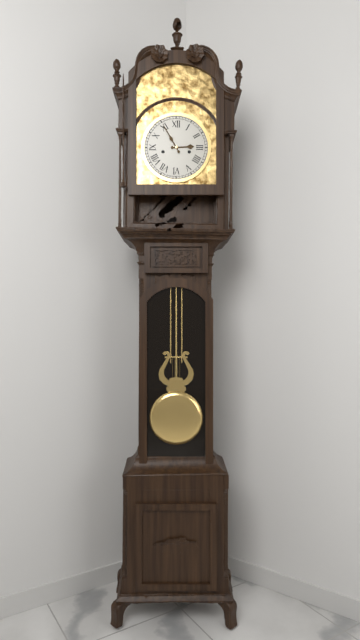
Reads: 2:55
